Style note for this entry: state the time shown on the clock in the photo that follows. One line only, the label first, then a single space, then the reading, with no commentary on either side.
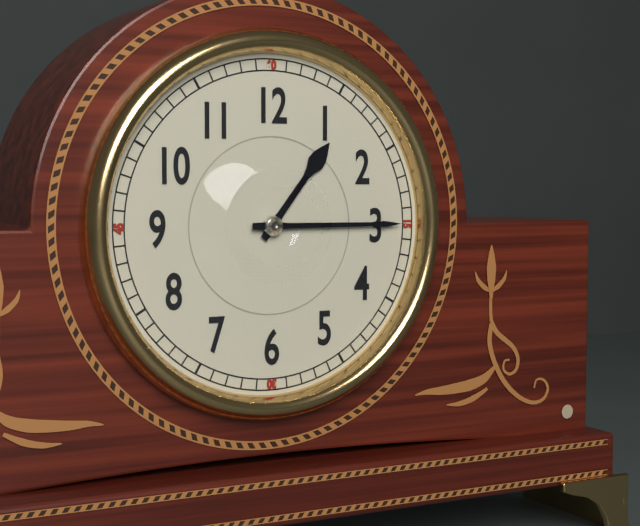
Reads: 1:15
